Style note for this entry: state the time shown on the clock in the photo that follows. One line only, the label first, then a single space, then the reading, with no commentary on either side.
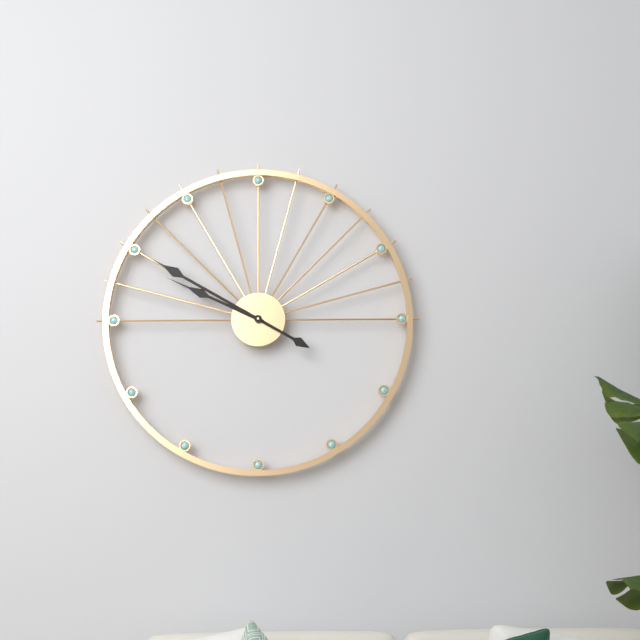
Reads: 9:50
